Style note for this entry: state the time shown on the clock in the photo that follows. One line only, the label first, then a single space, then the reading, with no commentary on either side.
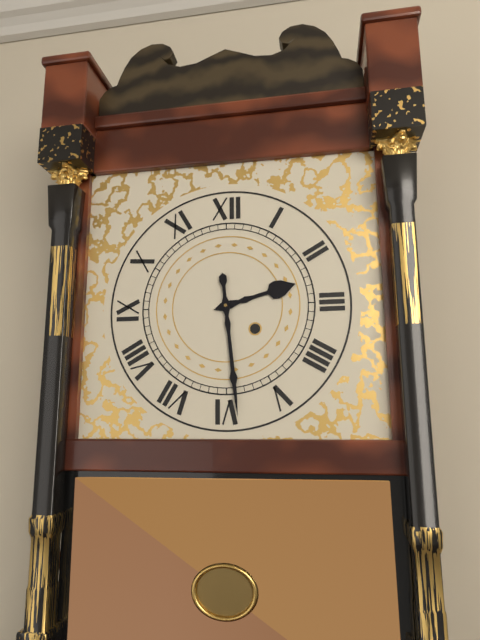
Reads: 2:29
